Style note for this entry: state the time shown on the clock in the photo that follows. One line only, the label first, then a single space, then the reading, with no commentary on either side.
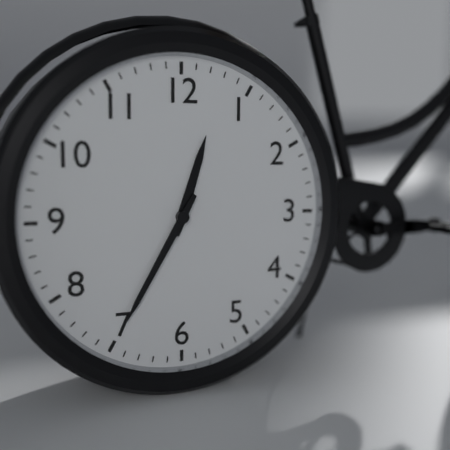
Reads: 12:35
